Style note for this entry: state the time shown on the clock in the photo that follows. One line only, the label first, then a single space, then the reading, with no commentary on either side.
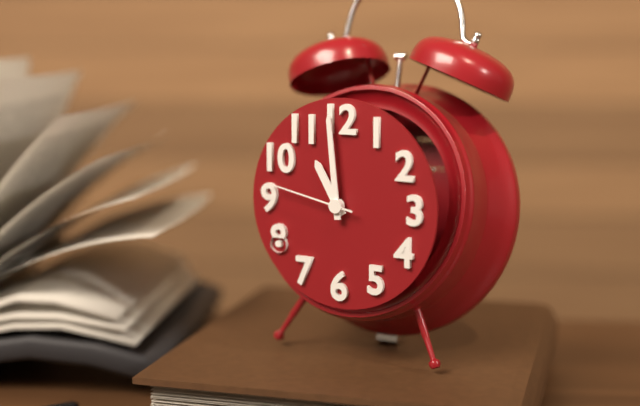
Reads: 10:59:47
